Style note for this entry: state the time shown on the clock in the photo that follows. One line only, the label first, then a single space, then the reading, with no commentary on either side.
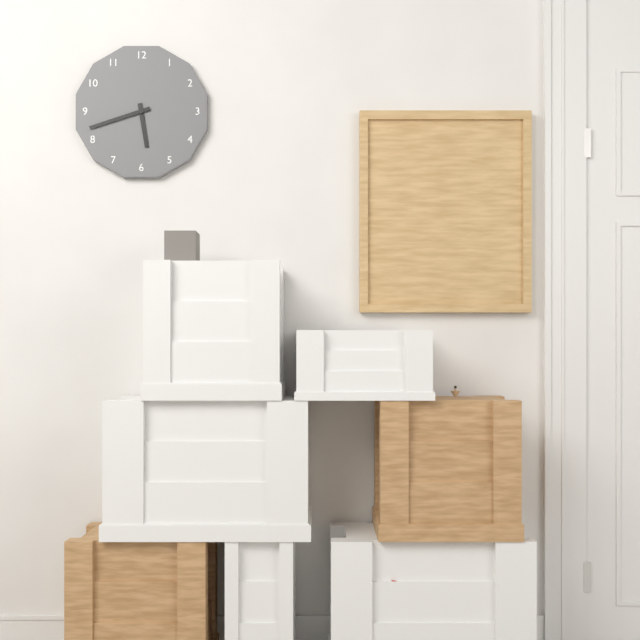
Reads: 5:42
